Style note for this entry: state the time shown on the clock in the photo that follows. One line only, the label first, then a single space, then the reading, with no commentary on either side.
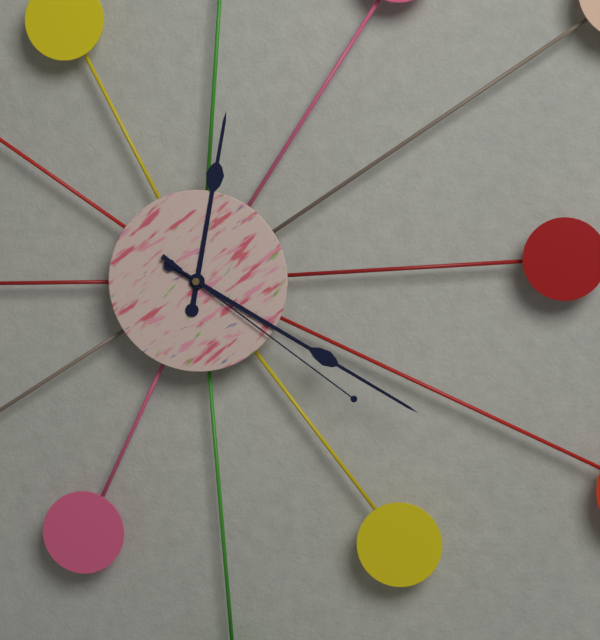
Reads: 12:20:21
